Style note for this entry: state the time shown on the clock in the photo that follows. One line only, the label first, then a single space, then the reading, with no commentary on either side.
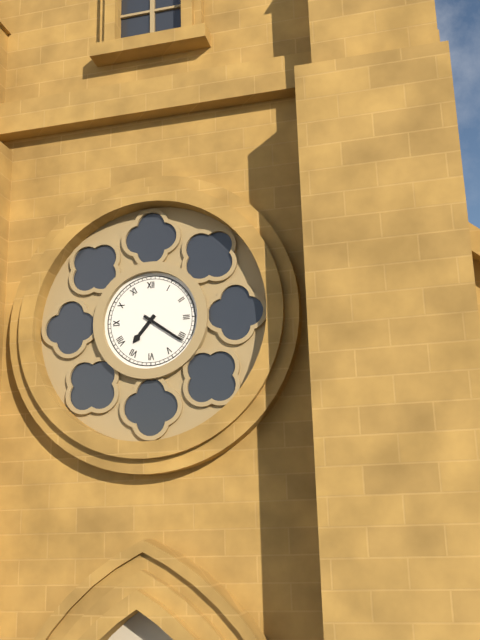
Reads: 7:21
